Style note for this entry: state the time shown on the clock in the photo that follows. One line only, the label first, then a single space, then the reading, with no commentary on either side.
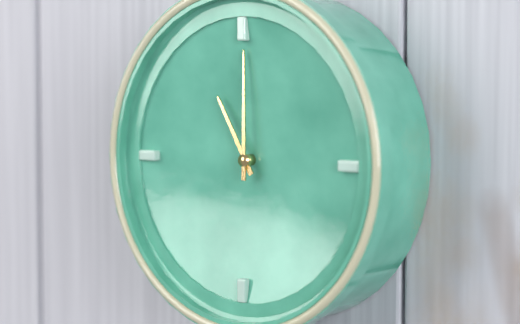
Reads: 11:00
